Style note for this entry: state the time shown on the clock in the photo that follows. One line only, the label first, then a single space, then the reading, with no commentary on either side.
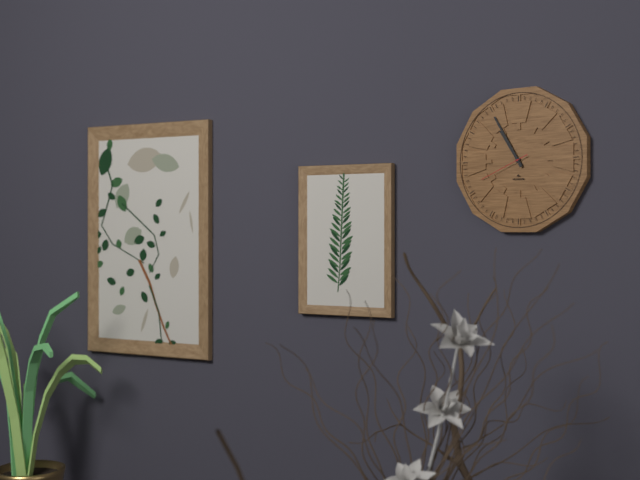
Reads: 10:55:41
